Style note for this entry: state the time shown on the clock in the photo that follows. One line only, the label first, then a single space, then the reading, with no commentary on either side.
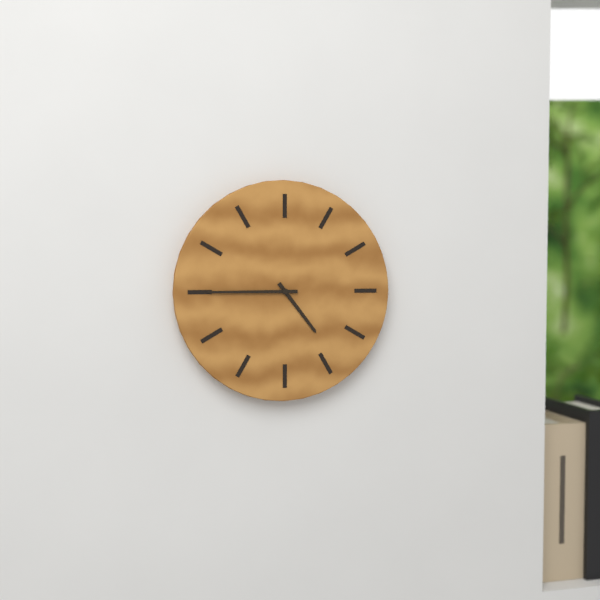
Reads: 4:45
